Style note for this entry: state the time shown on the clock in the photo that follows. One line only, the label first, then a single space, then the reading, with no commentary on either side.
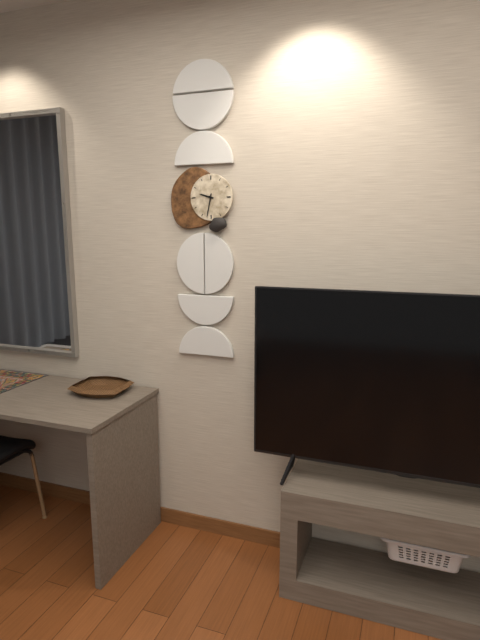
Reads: 9:32
